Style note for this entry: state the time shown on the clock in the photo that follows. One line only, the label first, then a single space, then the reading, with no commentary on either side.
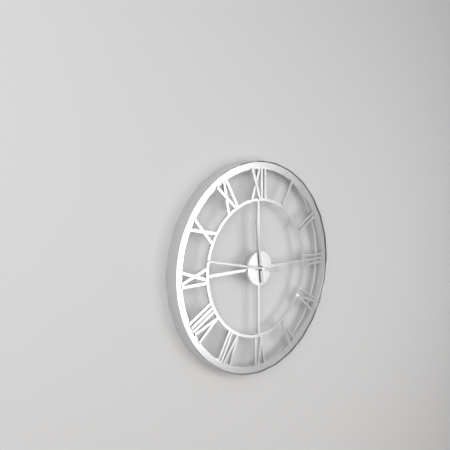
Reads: 11:47
